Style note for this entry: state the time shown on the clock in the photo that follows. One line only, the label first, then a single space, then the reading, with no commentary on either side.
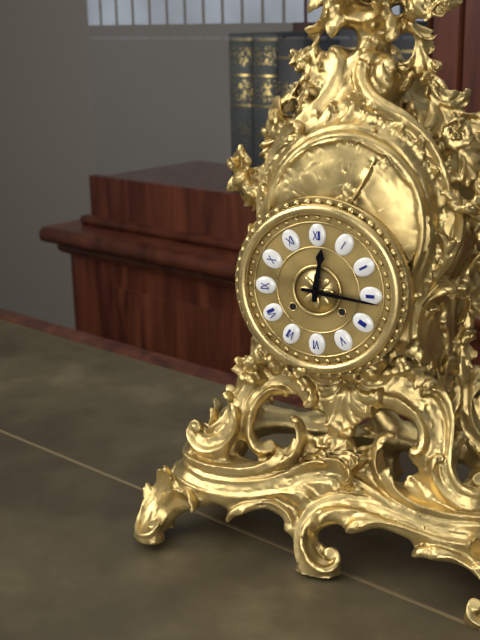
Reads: 12:16
